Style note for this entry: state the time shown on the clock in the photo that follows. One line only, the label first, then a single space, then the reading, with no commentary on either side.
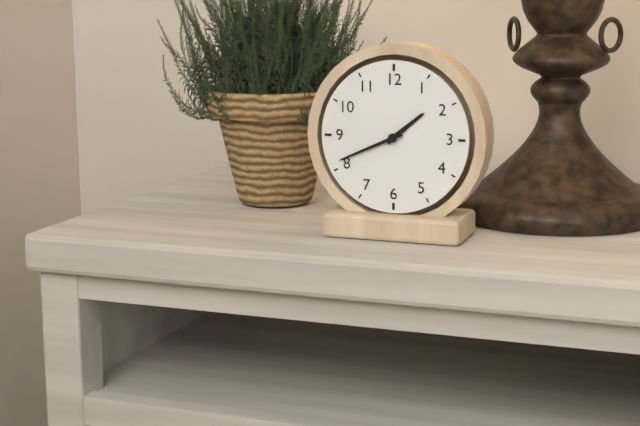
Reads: 1:41
